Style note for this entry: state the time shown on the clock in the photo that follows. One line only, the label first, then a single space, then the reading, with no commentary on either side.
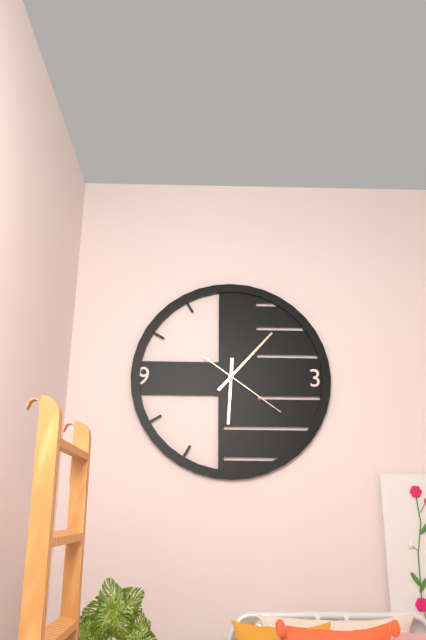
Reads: 6:07:21
